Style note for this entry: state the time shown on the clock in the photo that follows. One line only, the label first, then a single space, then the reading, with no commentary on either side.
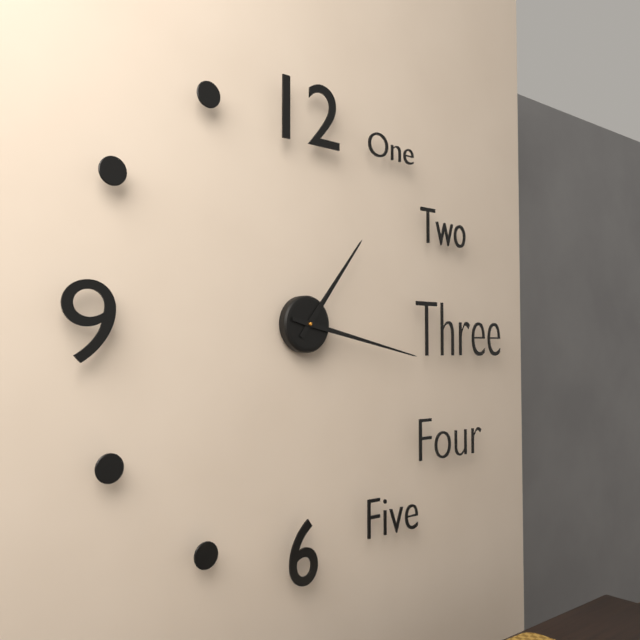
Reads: 1:17
